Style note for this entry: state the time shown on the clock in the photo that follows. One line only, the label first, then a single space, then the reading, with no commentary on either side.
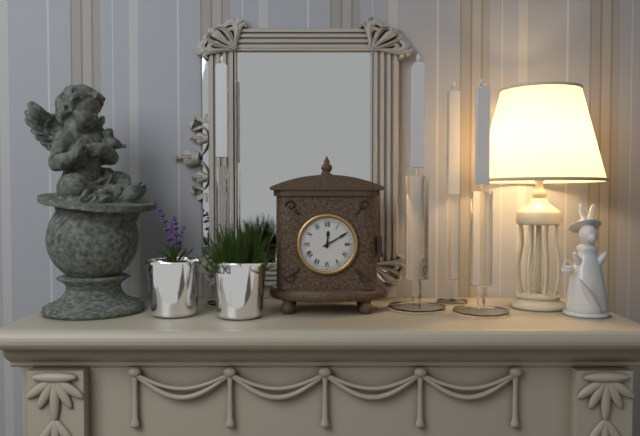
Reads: 12:10
